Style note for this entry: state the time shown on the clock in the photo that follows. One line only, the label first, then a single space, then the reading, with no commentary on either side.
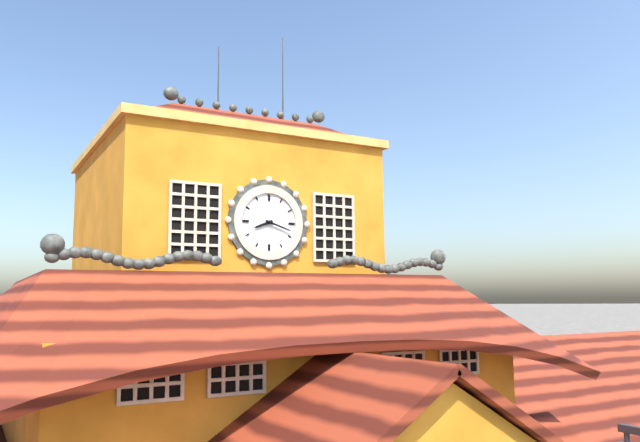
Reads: 8:18
